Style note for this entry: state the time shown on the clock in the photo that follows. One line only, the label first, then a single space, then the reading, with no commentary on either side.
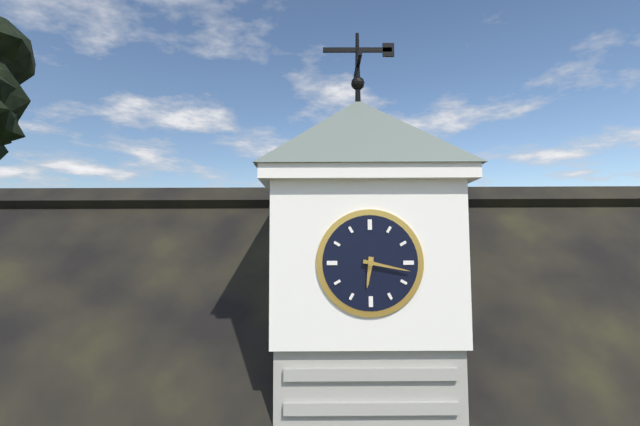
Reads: 6:17
